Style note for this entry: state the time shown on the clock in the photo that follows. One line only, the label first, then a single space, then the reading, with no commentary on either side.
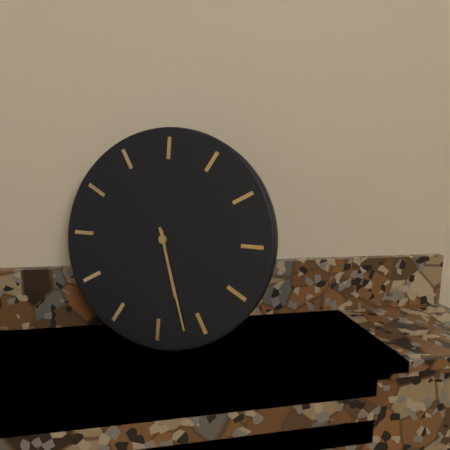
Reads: 5:27
